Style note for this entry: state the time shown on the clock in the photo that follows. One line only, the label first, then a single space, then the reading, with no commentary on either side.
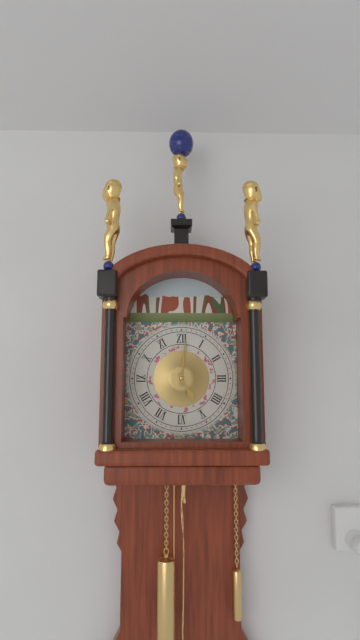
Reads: 5:01
